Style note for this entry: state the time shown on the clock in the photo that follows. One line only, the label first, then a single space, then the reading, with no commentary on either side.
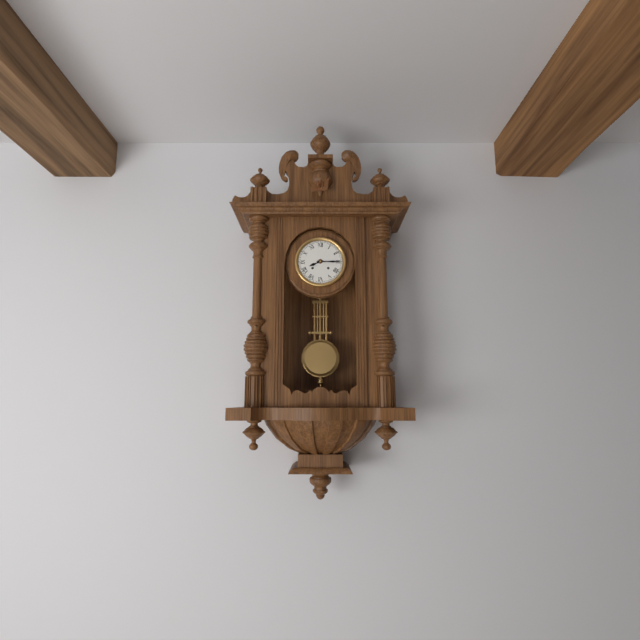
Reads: 8:15
